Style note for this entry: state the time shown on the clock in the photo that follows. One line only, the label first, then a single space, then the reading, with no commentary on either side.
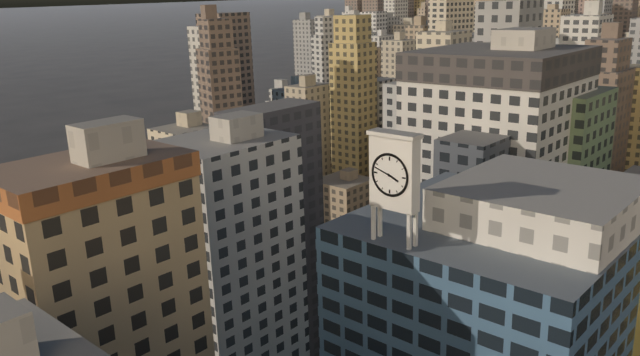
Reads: 3:48
